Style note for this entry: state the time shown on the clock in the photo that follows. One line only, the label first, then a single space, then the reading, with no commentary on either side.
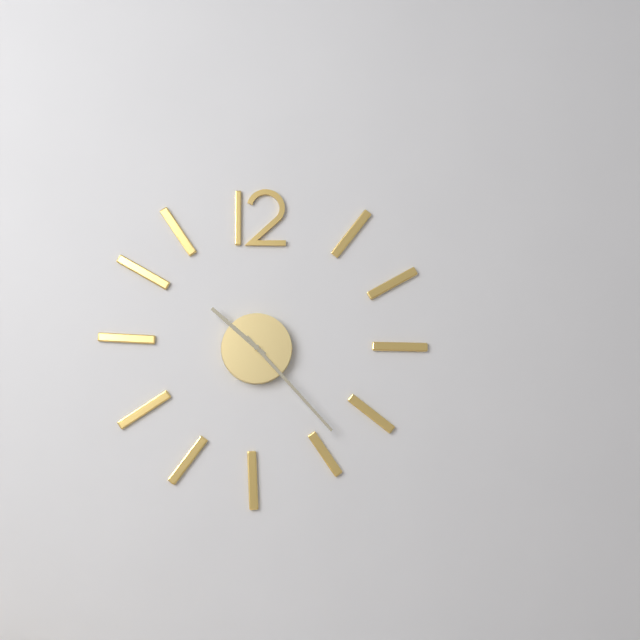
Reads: 10:23
